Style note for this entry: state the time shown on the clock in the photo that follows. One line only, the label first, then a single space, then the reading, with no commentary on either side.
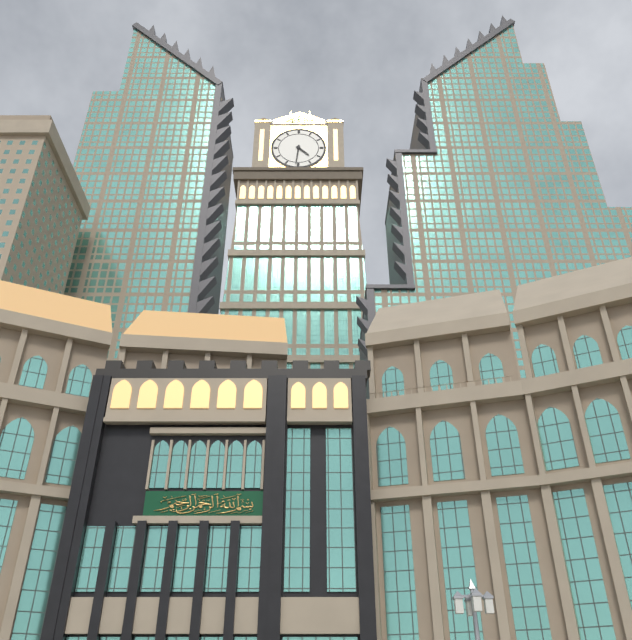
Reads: 4:31
